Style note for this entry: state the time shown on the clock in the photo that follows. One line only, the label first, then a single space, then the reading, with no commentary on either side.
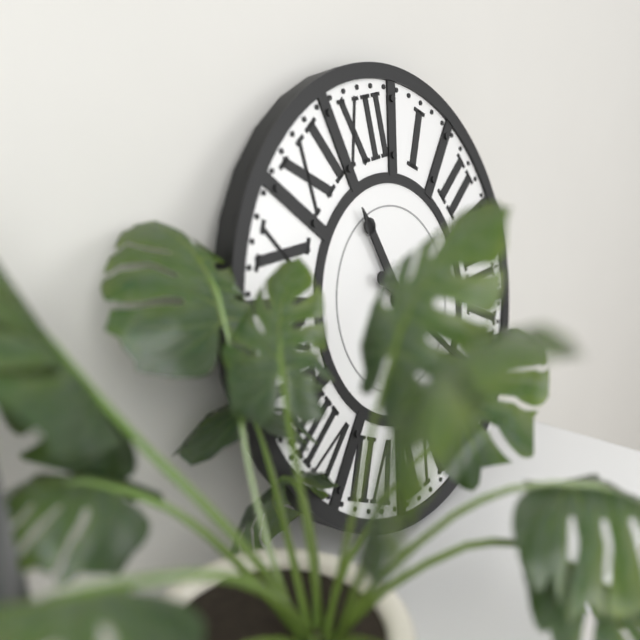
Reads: 11:23
